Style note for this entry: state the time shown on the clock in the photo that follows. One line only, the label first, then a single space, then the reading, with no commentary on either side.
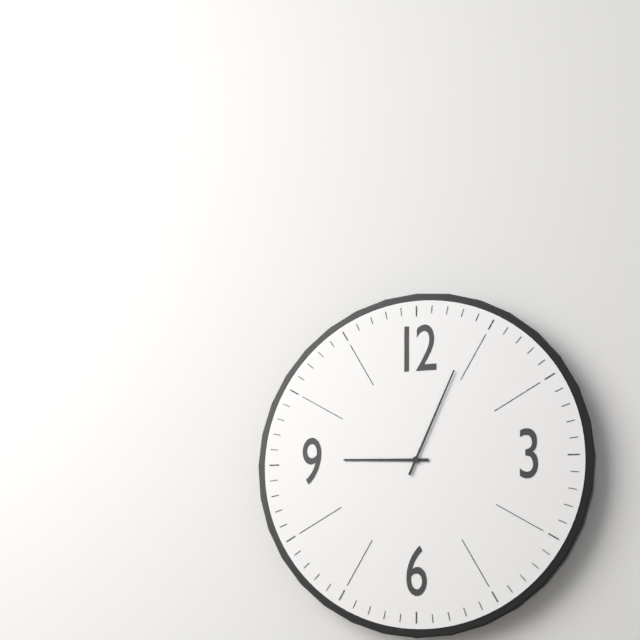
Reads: 9:04
